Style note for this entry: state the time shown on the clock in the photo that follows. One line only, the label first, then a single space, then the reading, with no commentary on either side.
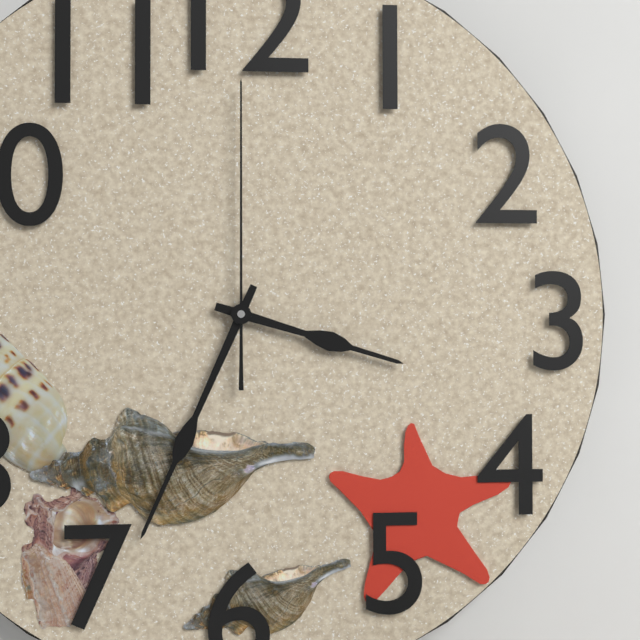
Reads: 3:34:00
